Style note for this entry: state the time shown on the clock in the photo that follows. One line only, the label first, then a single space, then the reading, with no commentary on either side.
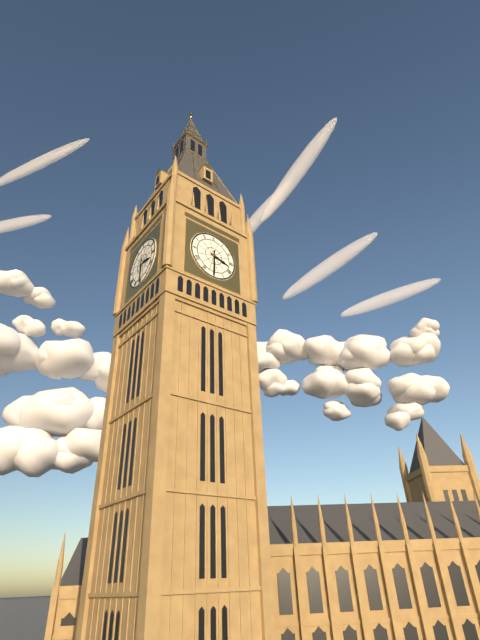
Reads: 3:30
